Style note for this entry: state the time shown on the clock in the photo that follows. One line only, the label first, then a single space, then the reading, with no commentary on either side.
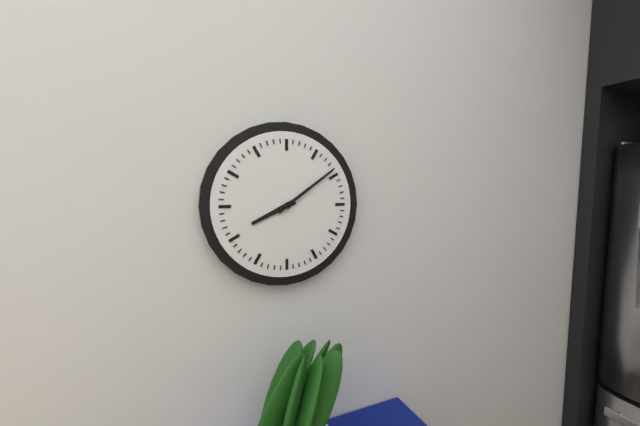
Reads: 8:09
